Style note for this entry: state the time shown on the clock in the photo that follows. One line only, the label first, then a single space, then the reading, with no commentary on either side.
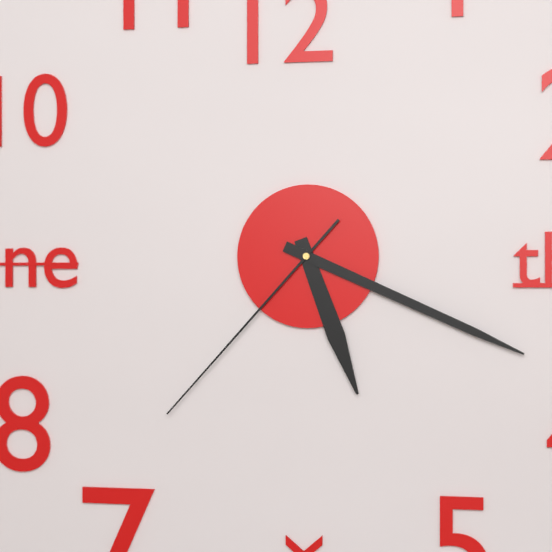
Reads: 5:19:37
